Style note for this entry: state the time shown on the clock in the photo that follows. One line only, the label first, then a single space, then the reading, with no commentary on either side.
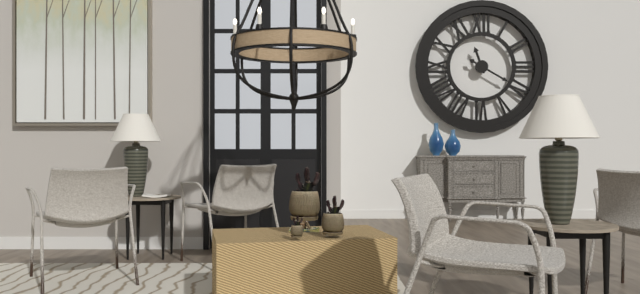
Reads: 11:20
